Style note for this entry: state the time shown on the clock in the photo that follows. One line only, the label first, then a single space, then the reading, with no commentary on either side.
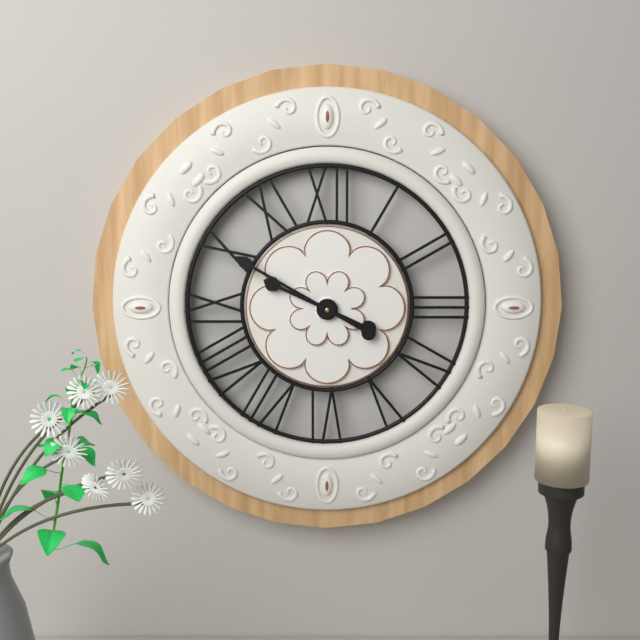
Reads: 9:50
